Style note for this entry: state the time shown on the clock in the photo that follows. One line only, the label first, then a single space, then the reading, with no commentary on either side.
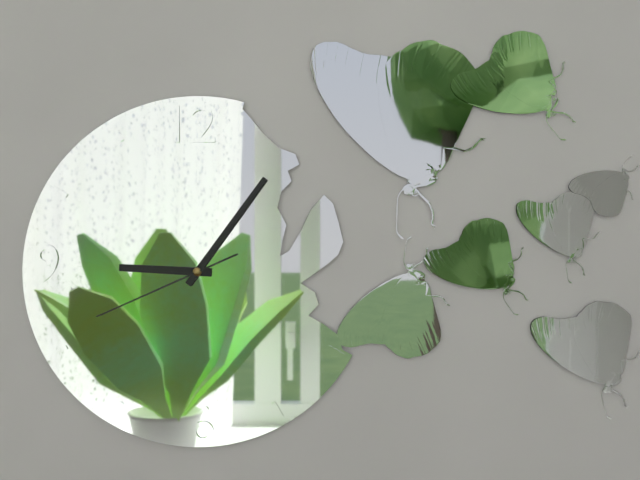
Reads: 9:06:41
